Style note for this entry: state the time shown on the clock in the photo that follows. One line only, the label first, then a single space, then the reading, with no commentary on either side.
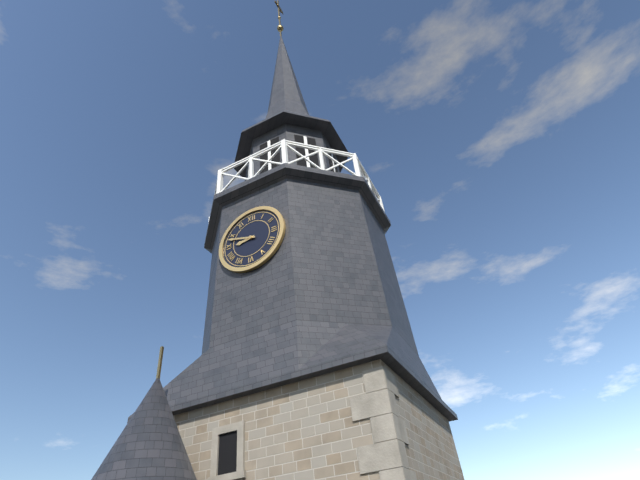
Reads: 8:48
